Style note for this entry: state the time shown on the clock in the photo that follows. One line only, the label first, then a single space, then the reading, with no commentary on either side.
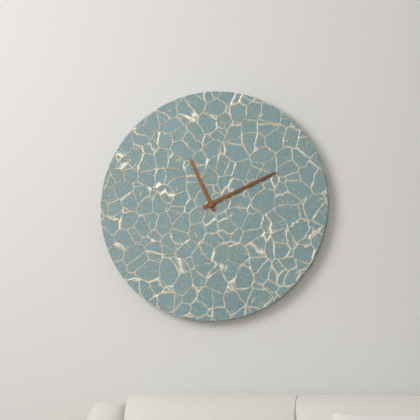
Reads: 11:11
